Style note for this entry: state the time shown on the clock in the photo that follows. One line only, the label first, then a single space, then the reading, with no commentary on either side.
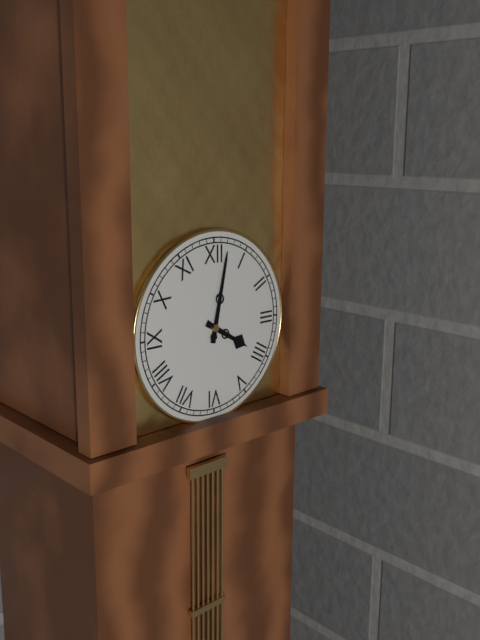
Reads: 4:02
